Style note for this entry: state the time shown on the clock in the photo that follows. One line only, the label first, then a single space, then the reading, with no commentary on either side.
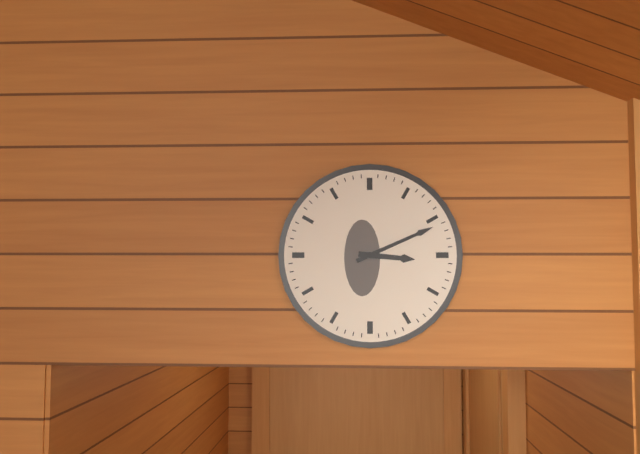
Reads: 3:11
